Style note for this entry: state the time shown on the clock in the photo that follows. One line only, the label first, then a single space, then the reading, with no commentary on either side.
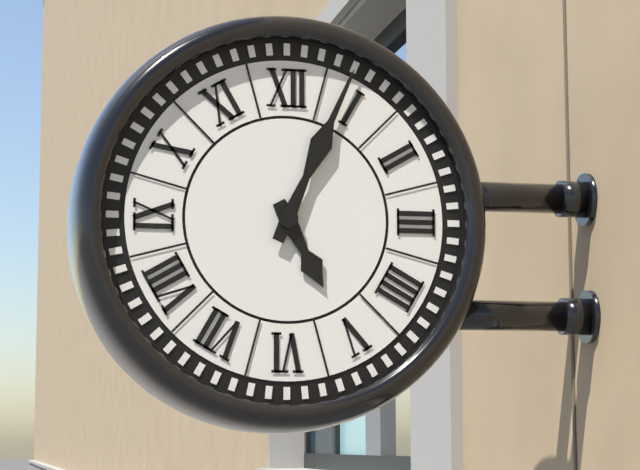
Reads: 5:04
